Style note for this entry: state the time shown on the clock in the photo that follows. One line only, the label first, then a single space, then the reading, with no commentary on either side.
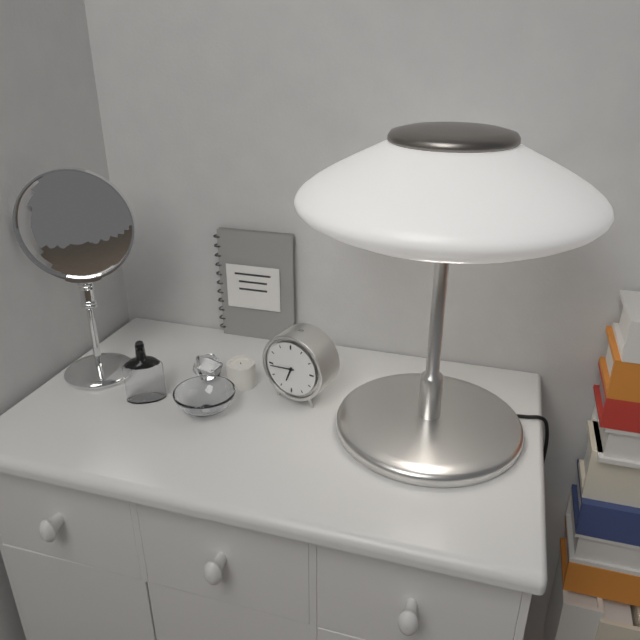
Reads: 6:44
